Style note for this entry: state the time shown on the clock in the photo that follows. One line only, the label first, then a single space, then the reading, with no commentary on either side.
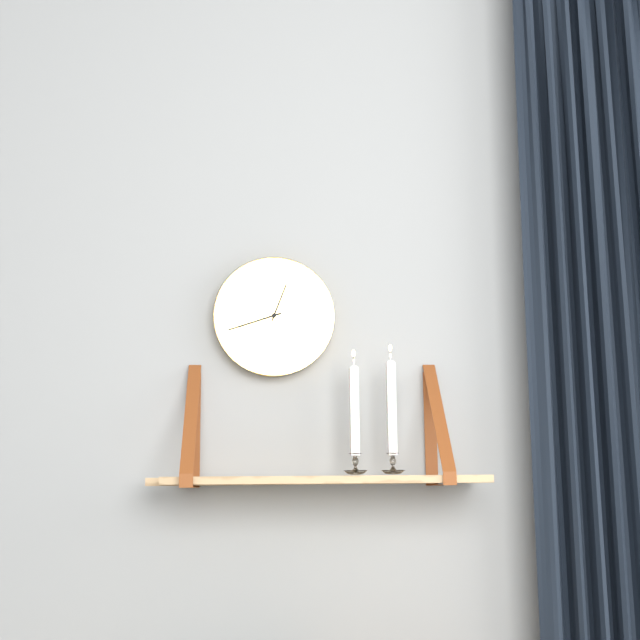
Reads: 12:42
